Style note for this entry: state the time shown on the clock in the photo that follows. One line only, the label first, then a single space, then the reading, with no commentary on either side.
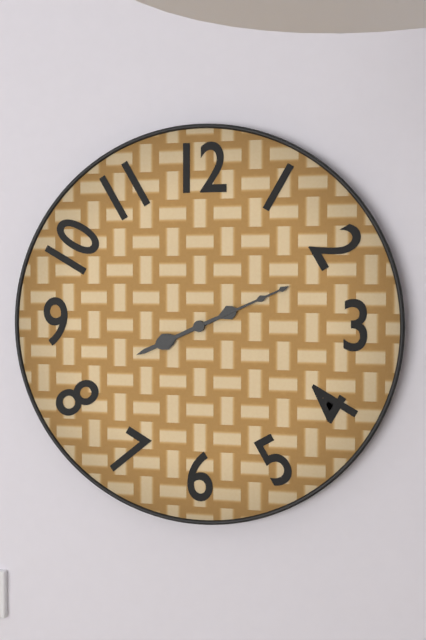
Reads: 8:11
